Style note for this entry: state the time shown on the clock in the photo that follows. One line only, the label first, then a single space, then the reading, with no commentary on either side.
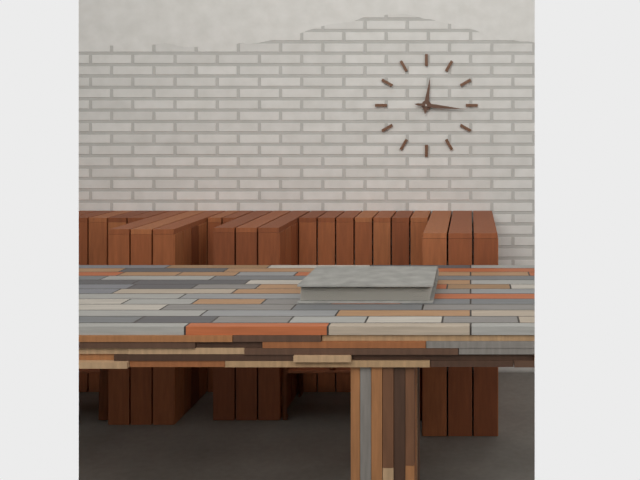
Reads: 12:16
